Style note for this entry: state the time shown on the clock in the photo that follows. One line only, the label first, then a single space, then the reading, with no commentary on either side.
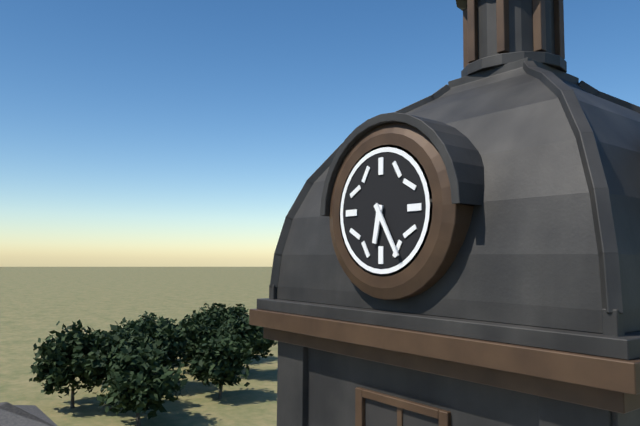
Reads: 6:25
